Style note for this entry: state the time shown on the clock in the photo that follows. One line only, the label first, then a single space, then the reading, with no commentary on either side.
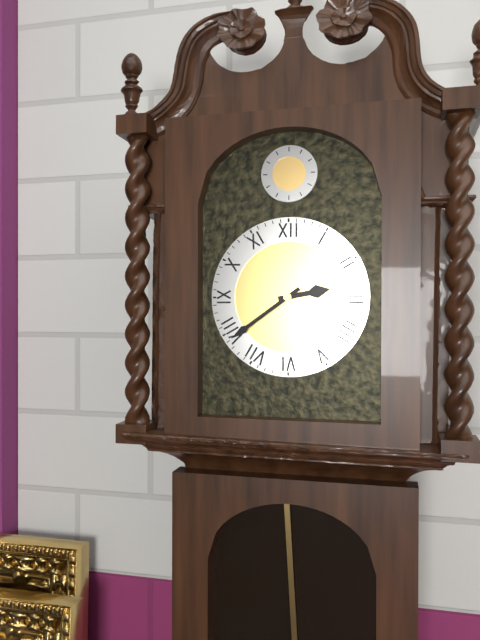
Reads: 2:39
